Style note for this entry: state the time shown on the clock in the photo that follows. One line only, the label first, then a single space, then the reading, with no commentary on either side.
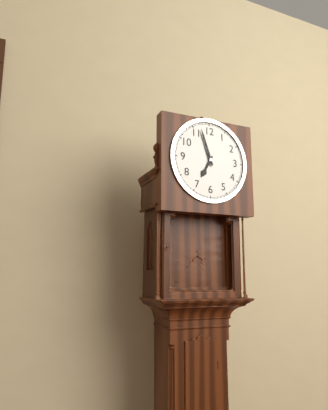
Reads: 6:57
